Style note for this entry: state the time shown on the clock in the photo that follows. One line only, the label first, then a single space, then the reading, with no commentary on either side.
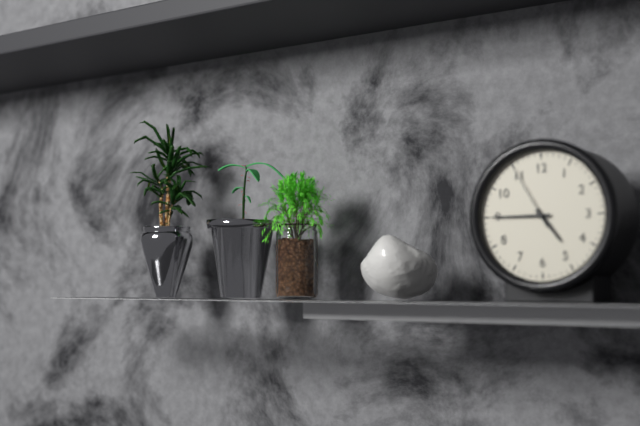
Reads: 4:45:55
